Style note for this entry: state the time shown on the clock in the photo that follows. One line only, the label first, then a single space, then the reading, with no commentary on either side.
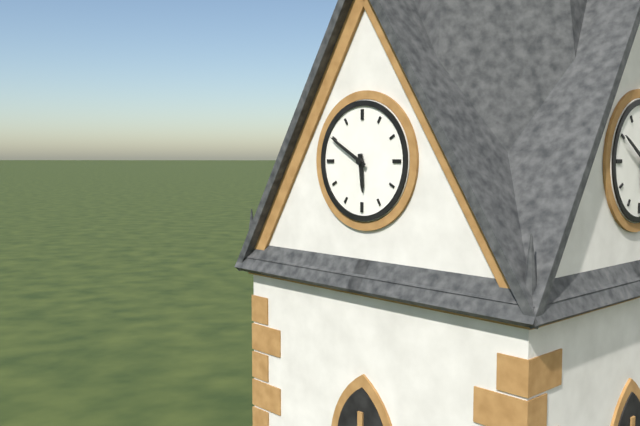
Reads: 5:50
